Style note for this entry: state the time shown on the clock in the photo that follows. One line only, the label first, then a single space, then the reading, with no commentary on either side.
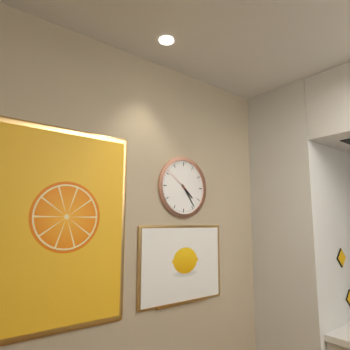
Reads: 4:24
